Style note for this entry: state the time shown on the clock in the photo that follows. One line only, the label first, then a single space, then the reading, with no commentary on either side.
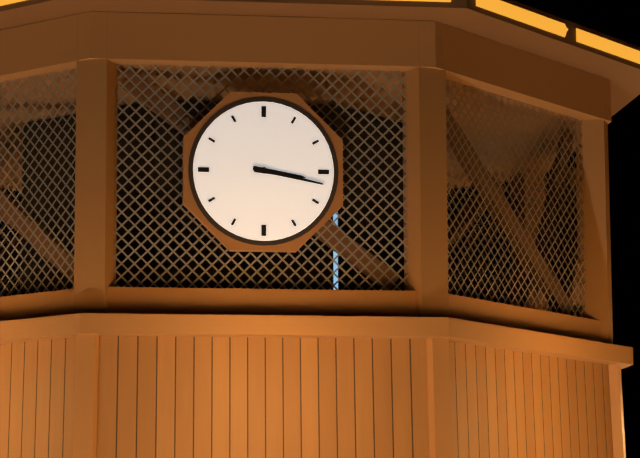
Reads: 3:17
